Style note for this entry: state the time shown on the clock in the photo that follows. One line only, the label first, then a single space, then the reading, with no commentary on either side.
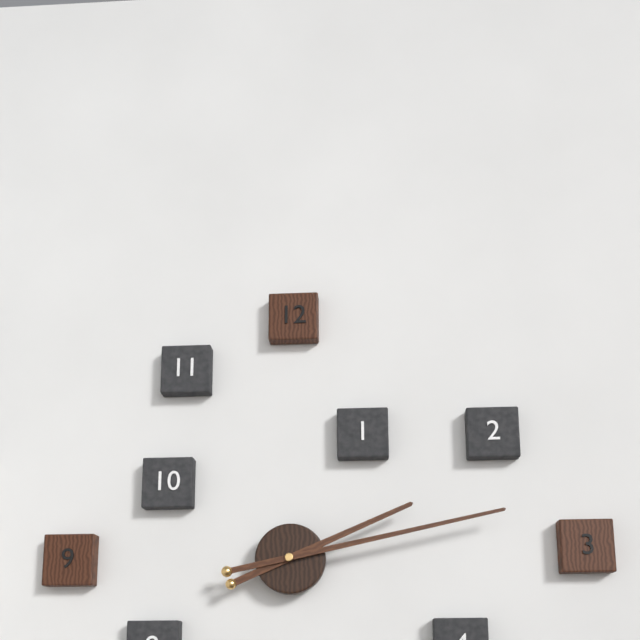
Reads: 2:13
